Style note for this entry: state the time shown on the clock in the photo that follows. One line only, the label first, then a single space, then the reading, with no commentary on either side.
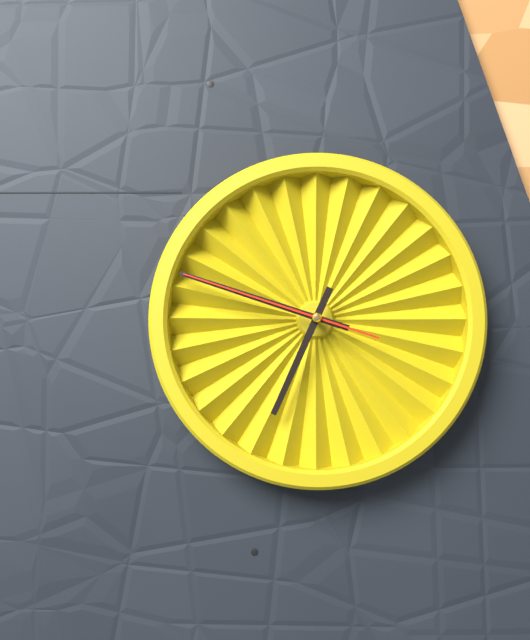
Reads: 6:48:48
